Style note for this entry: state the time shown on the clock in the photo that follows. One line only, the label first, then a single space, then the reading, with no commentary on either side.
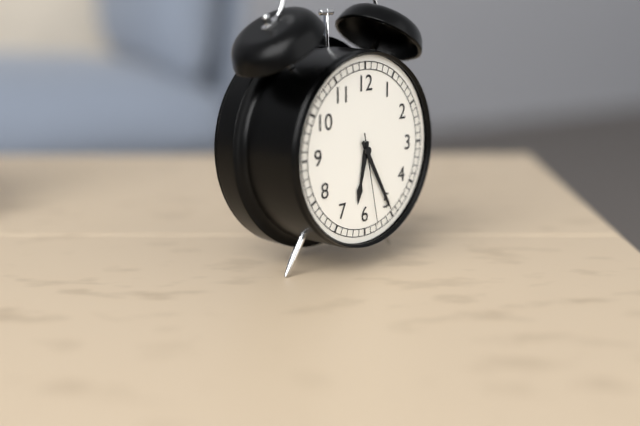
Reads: 6:25:28
